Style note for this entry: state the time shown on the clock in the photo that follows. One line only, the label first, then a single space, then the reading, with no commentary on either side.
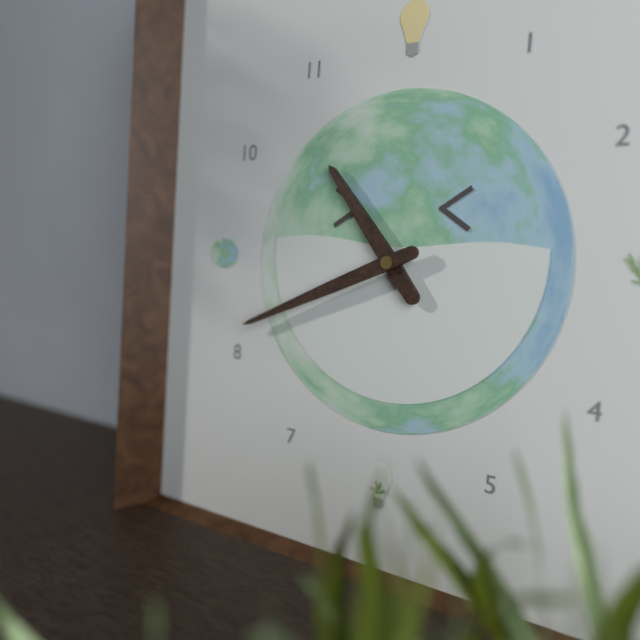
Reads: 10:41
